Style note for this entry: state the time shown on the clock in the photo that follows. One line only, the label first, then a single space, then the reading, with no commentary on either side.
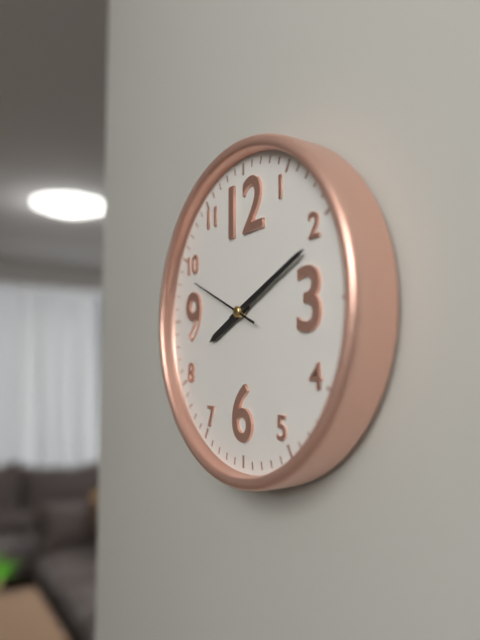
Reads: 8:11:49
